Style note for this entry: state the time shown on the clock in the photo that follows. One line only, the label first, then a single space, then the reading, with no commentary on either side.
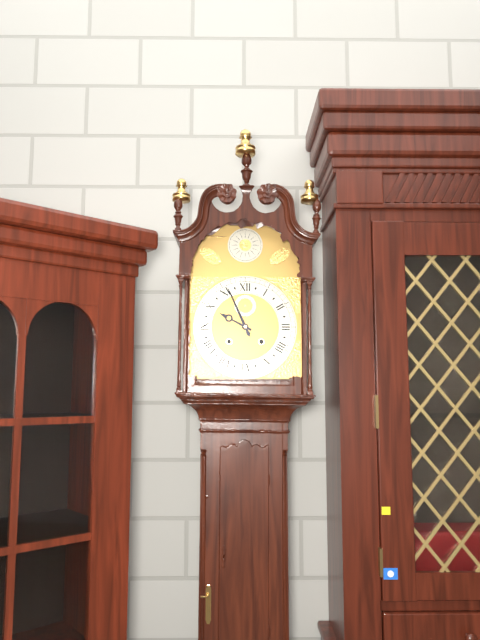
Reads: 9:56
